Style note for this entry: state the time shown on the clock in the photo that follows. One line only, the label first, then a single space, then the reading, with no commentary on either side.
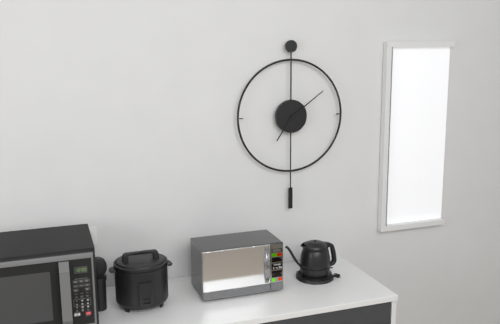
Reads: 7:09
